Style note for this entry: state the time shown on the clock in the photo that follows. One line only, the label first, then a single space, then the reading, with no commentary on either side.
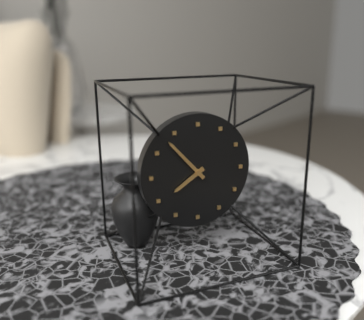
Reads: 7:53
